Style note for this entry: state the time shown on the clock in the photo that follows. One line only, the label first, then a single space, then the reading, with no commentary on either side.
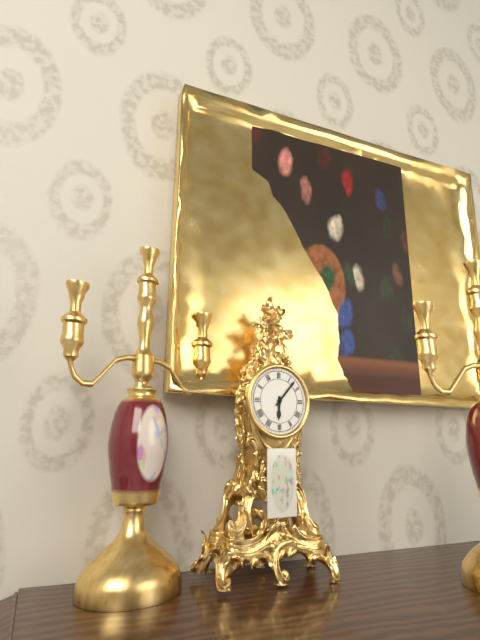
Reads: 6:07
